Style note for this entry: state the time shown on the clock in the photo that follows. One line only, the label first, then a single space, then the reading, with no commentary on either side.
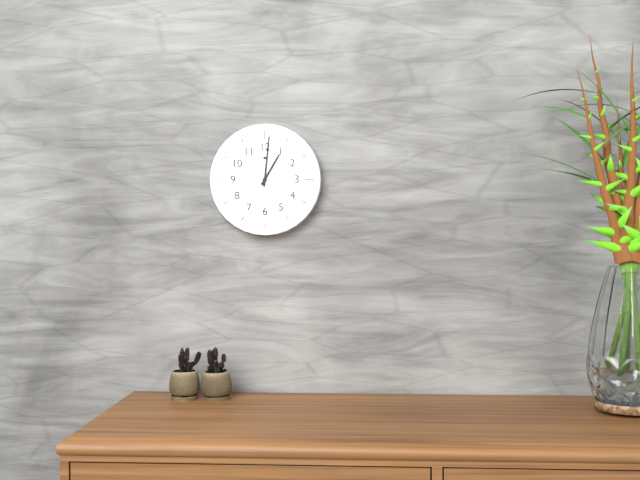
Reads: 1:01
